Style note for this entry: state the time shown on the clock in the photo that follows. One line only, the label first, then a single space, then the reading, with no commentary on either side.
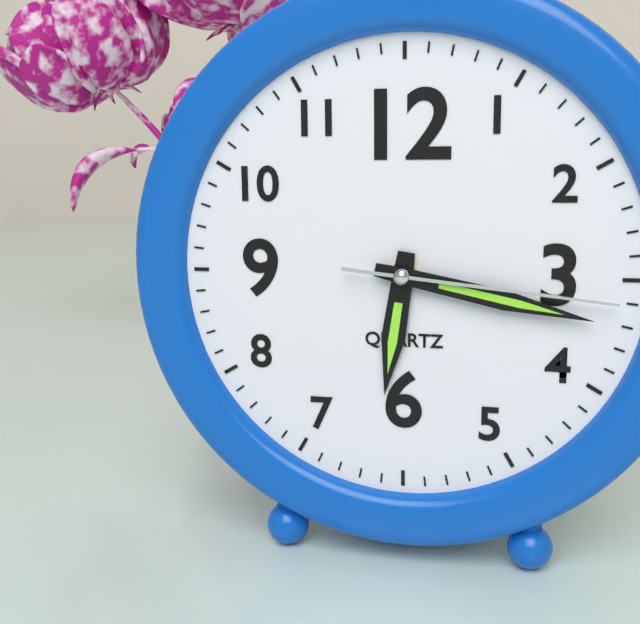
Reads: 6:17:16
